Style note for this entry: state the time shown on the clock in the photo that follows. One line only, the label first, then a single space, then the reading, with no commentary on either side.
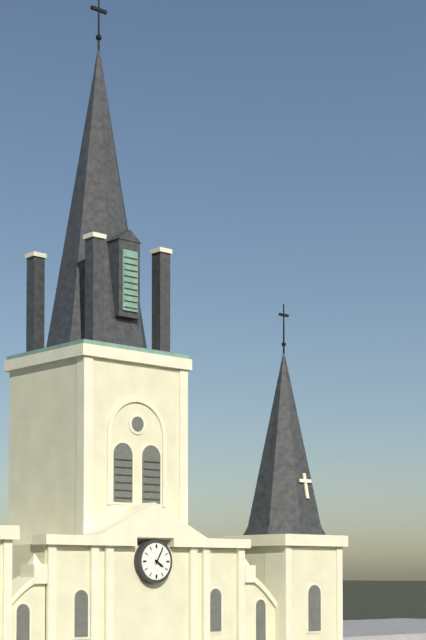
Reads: 4:05
